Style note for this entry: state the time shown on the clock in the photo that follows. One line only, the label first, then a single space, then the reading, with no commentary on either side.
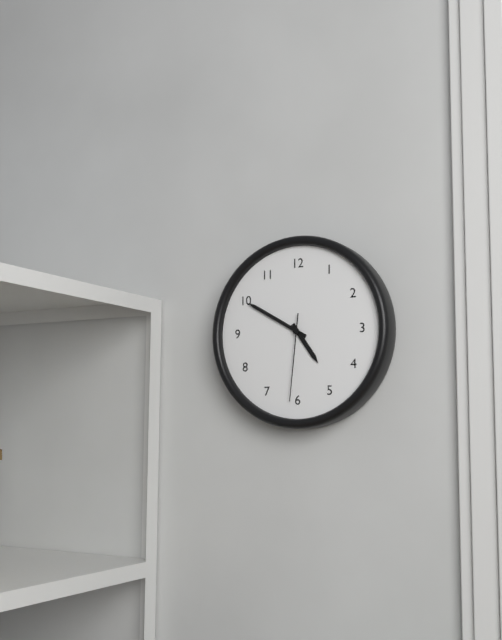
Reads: 4:50:31
